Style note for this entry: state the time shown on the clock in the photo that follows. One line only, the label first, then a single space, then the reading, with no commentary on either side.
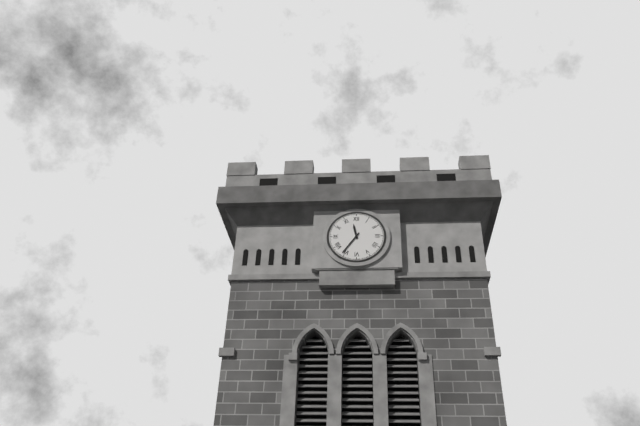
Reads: 11:36
